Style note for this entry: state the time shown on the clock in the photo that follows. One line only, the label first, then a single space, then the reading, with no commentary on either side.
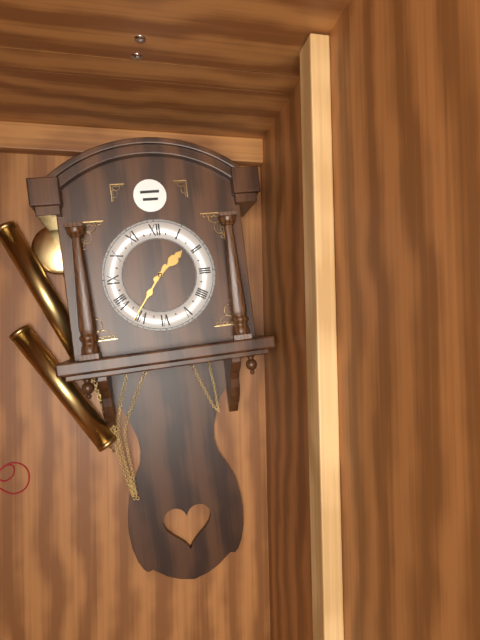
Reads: 1:36
